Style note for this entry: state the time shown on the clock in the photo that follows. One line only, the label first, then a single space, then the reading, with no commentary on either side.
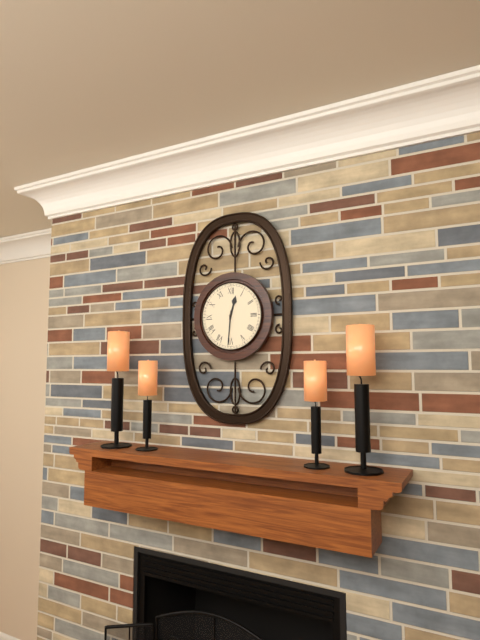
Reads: 12:31
